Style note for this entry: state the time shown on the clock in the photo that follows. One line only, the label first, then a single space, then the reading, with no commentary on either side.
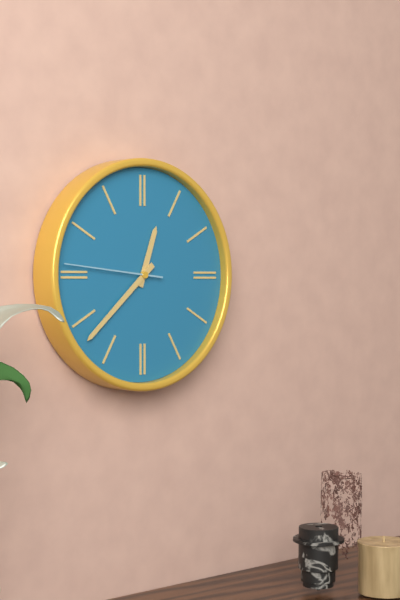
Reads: 12:38:46
